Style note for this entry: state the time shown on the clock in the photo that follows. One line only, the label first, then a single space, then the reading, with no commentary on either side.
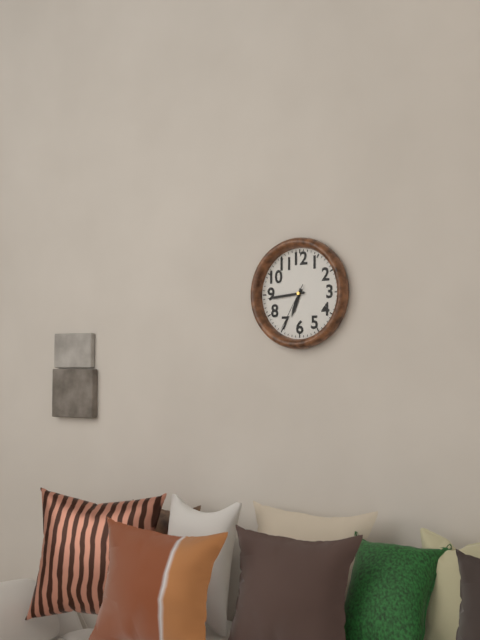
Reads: 6:44
